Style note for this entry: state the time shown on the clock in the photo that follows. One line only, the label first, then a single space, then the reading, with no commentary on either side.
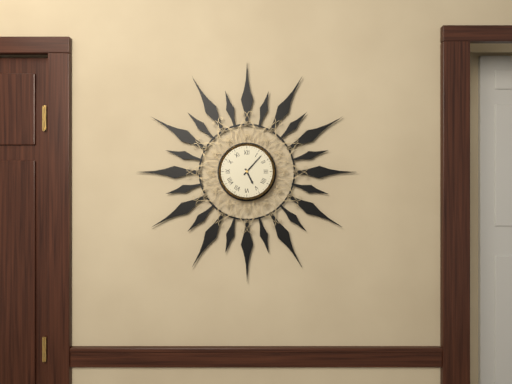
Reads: 5:07
